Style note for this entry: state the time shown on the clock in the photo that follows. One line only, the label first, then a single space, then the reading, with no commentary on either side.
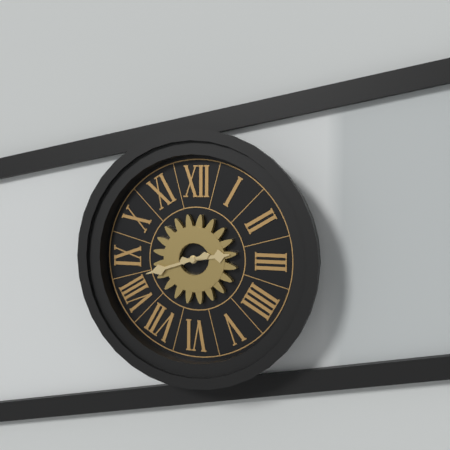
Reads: 2:42
